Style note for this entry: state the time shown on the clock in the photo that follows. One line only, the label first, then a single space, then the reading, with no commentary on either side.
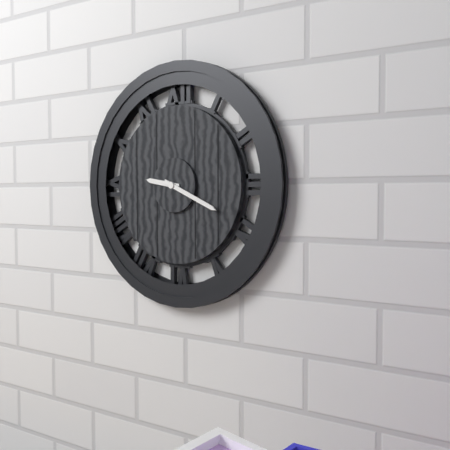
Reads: 9:19
